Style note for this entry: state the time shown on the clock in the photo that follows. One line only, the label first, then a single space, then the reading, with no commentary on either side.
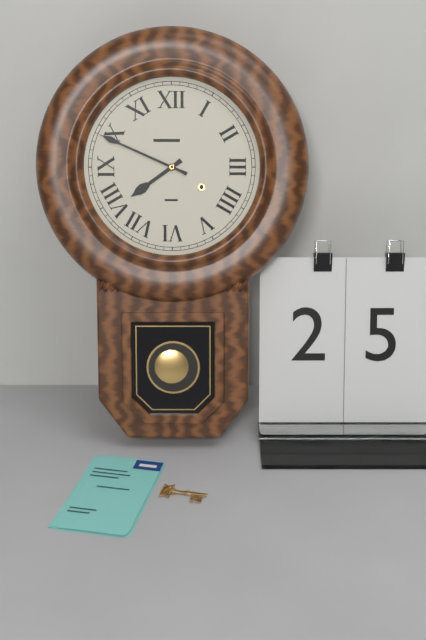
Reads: 7:49
